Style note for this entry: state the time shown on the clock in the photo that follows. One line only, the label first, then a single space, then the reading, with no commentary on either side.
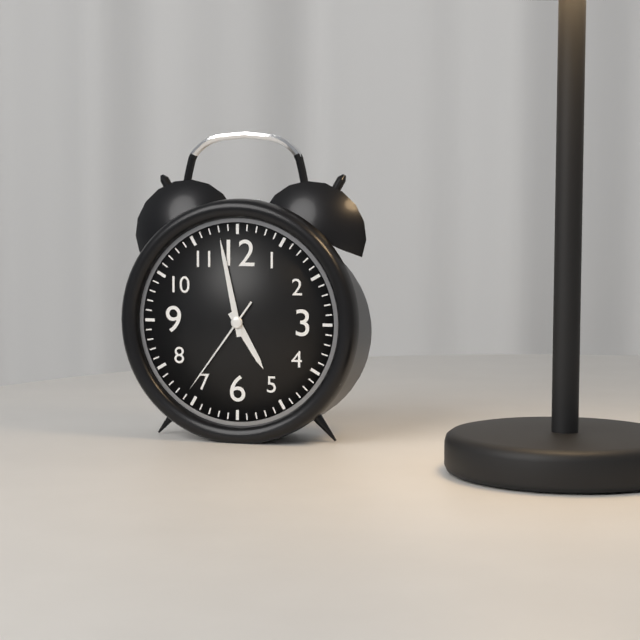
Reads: 4:58:36
